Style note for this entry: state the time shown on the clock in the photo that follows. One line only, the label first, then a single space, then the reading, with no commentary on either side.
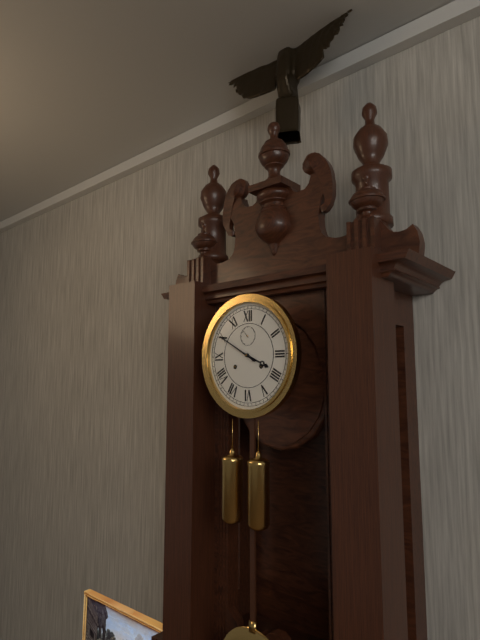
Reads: 3:50
